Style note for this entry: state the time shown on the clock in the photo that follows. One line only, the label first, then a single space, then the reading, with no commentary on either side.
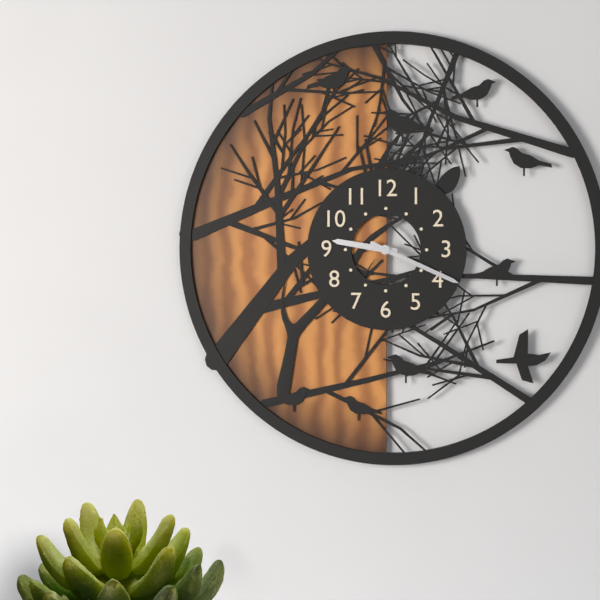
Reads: 9:19
